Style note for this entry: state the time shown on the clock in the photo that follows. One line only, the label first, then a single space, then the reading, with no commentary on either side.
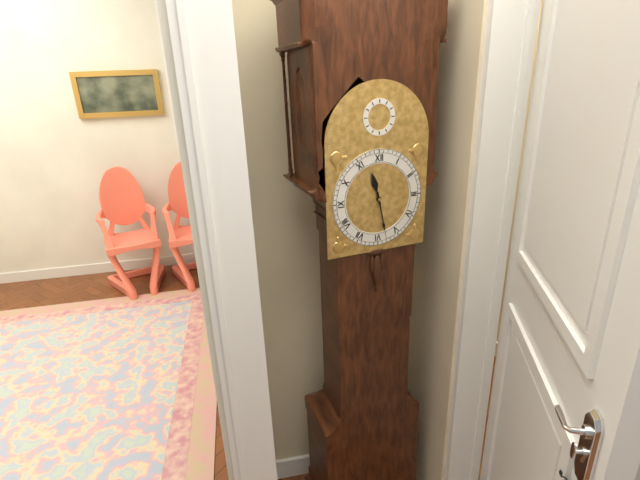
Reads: 11:28
